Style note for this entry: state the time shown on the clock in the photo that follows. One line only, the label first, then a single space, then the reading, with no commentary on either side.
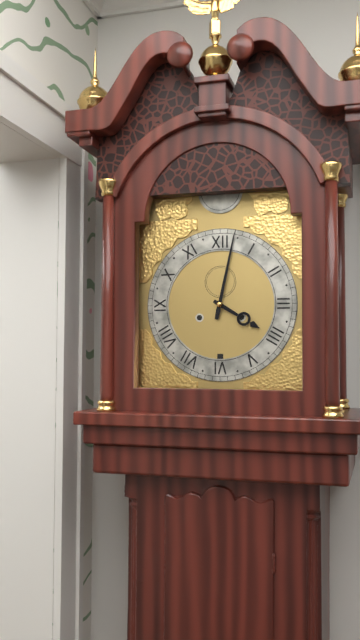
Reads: 4:02
